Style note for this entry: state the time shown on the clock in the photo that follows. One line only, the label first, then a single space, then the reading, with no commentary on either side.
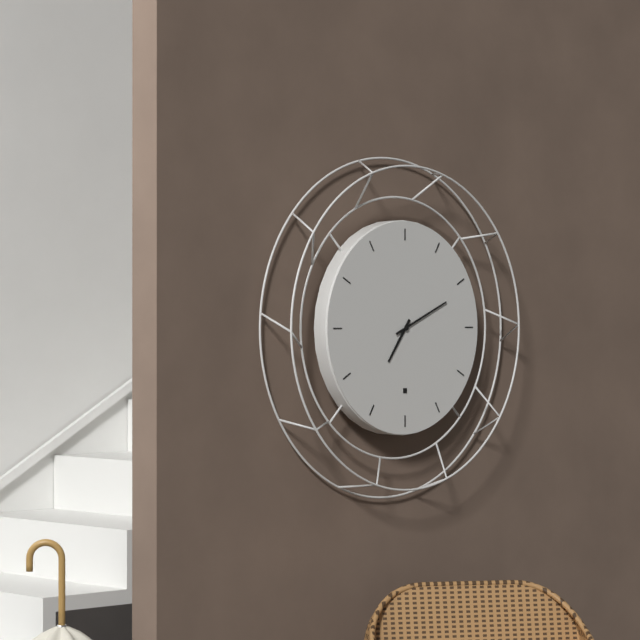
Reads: 7:11
